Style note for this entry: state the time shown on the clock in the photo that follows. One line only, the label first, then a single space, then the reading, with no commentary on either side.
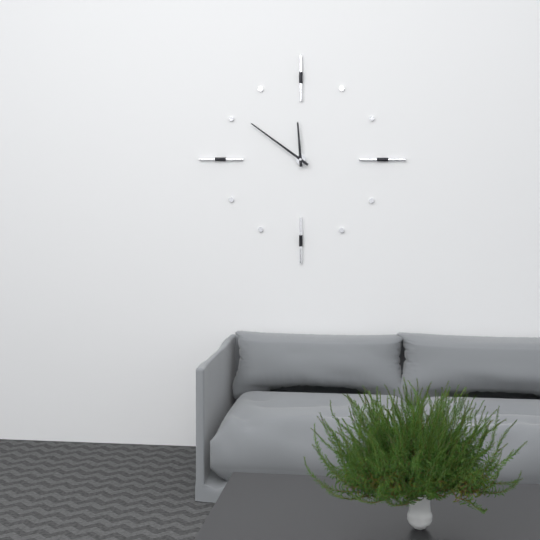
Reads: 11:51
